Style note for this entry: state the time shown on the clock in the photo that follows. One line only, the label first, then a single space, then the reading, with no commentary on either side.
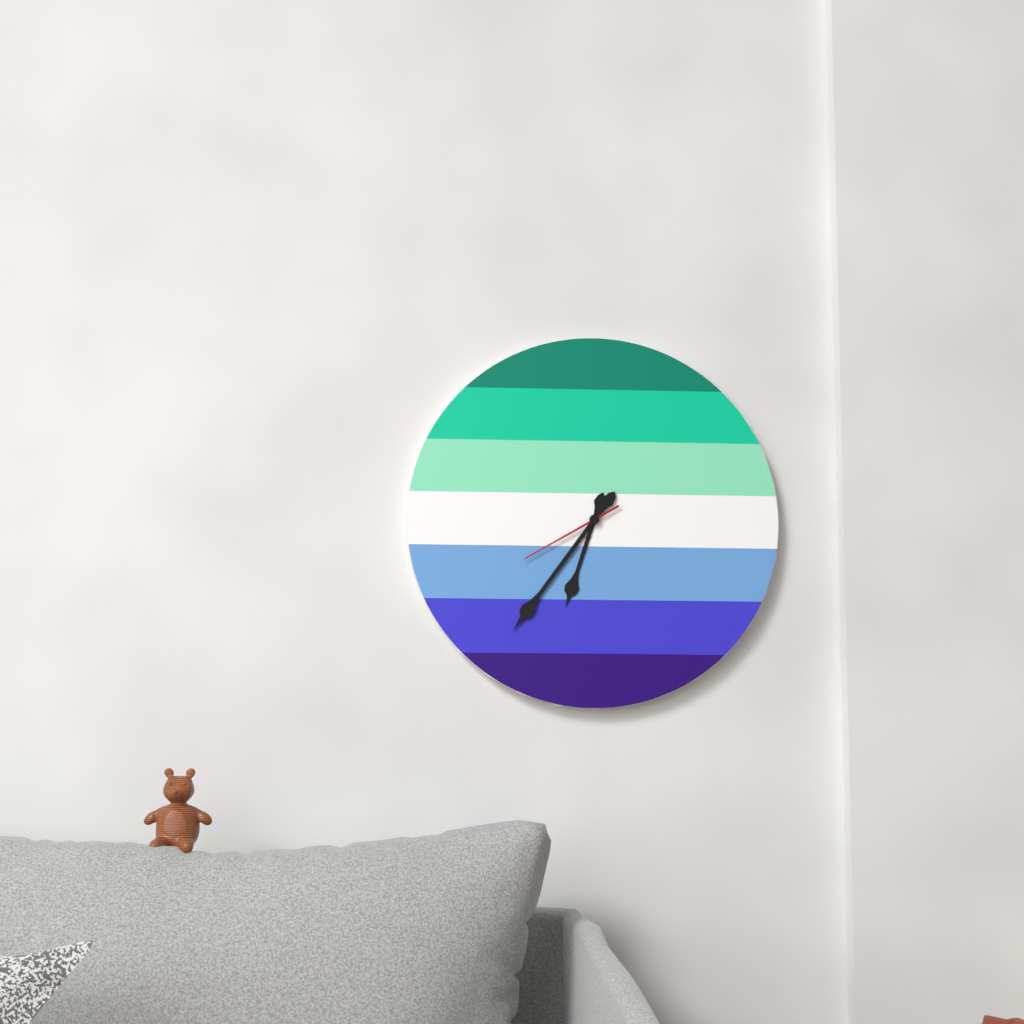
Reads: 6:36:40
